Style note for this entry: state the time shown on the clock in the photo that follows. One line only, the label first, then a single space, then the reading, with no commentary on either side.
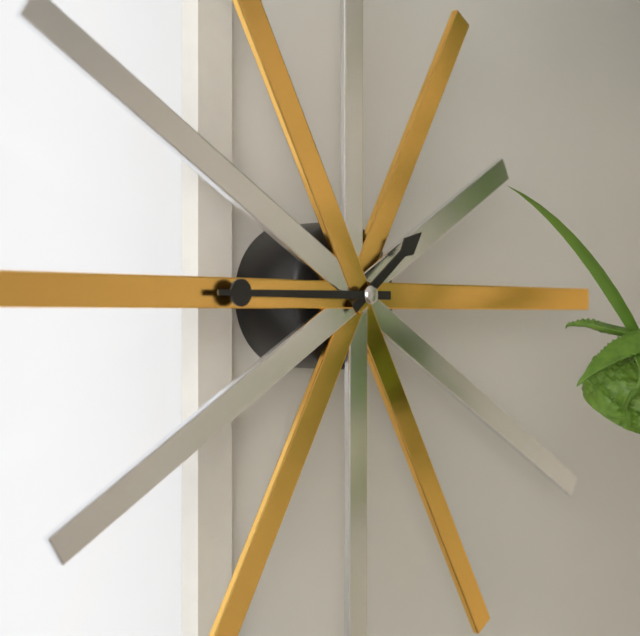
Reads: 1:45
